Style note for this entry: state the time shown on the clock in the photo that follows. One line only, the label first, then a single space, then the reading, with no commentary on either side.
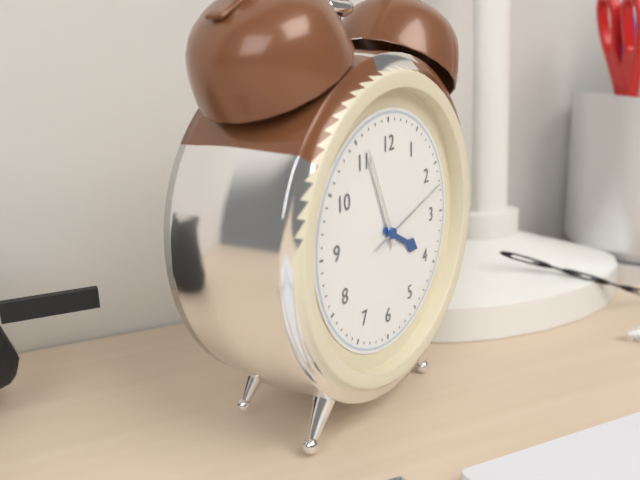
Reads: 3:56:12
